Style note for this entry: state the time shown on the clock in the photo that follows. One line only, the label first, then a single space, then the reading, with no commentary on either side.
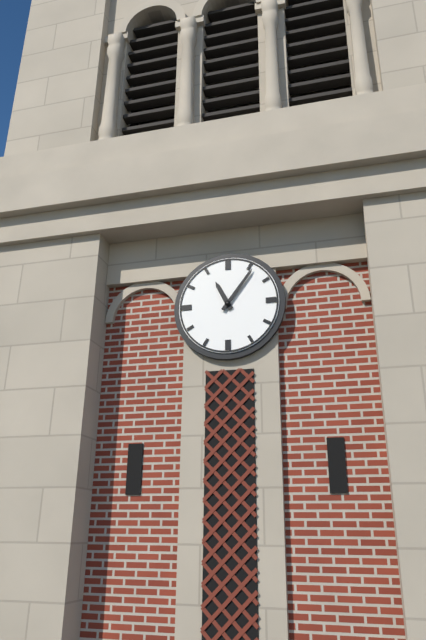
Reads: 11:06
